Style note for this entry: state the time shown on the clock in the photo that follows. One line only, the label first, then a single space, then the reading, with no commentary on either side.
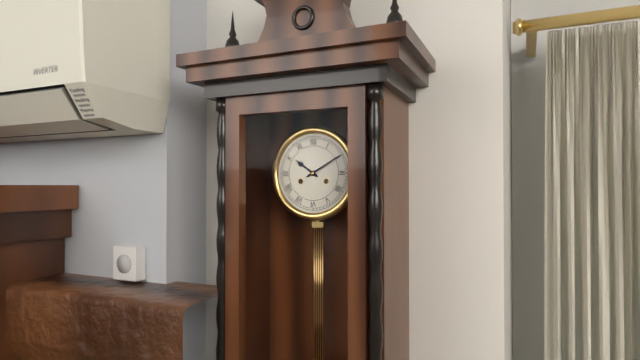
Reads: 10:10
